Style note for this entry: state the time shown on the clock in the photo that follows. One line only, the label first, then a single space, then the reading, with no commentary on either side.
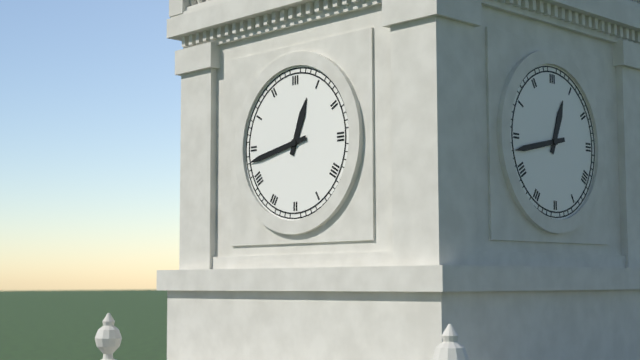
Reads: 12:43
